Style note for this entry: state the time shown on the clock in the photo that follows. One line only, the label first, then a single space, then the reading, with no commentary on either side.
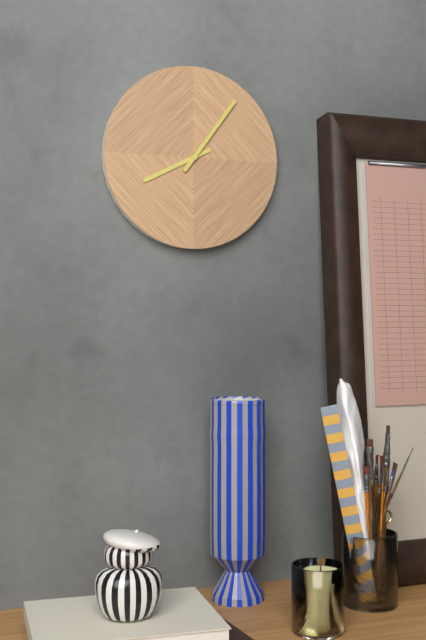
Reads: 8:06
